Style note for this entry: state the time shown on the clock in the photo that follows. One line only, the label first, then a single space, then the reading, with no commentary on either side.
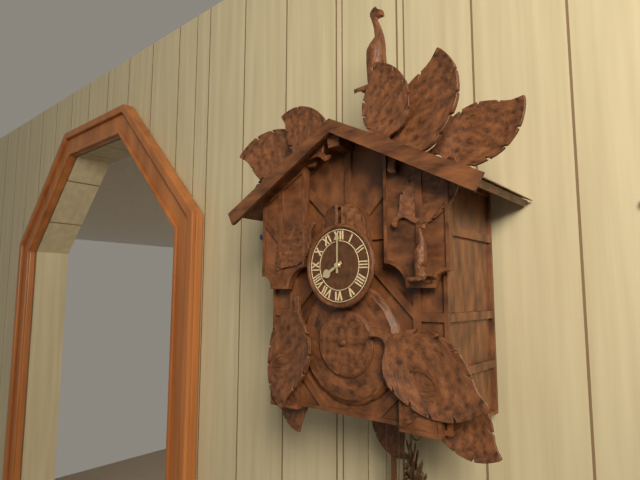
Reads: 8:00
